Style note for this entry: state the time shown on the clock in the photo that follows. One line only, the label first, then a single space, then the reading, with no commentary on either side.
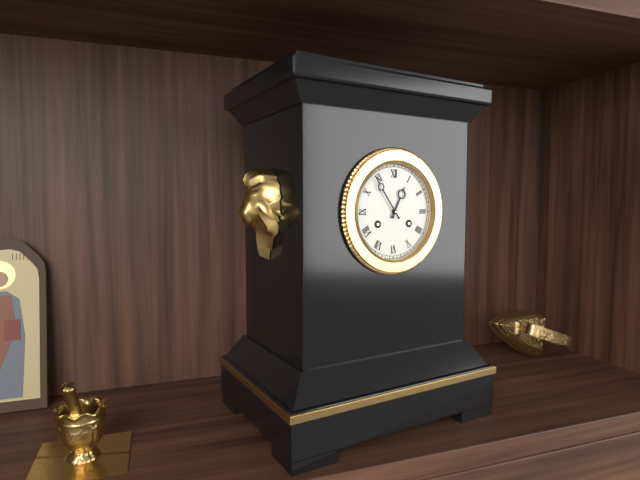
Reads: 12:54
